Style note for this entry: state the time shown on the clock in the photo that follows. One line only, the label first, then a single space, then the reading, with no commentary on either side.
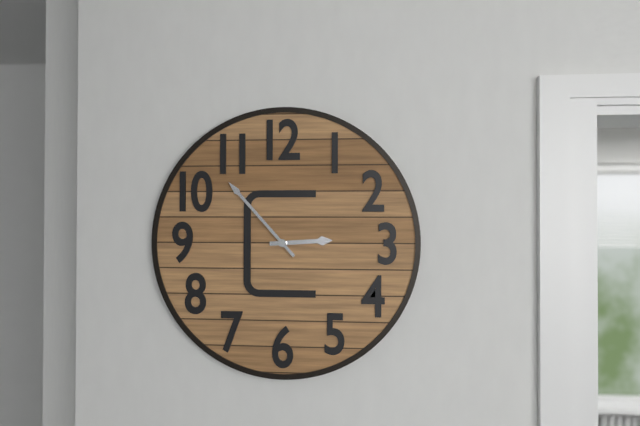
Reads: 2:53
